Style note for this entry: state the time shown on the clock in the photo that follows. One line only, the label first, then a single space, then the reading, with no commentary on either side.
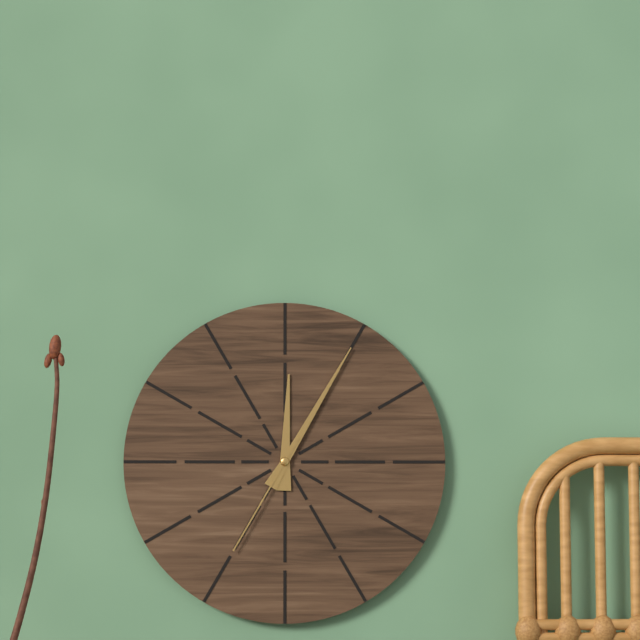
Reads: 12:05:35
